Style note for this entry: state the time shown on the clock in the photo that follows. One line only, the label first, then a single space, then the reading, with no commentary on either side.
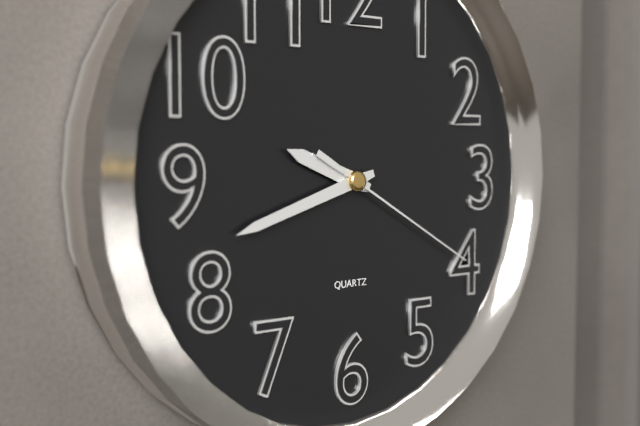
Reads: 9:42:20
